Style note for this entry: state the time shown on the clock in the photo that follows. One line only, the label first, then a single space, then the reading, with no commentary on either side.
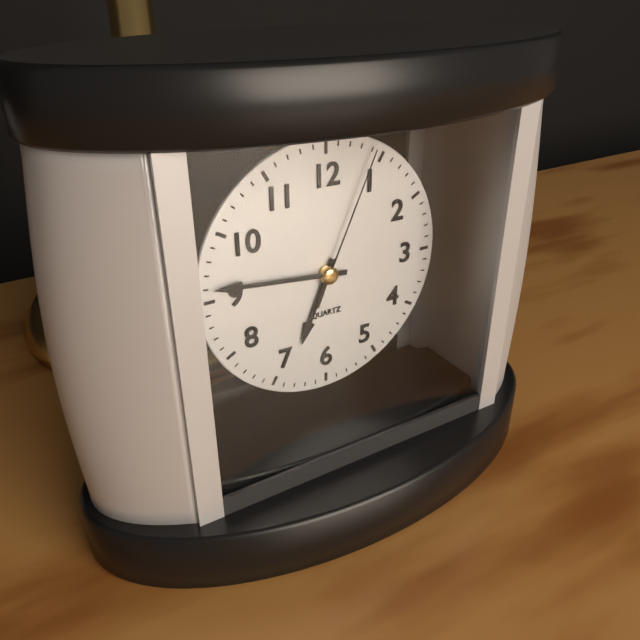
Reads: 6:46:04
